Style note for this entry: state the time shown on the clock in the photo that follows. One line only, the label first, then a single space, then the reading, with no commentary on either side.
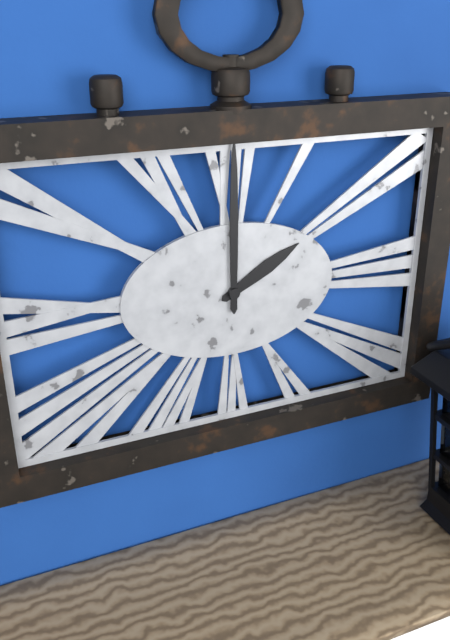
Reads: 2:00
